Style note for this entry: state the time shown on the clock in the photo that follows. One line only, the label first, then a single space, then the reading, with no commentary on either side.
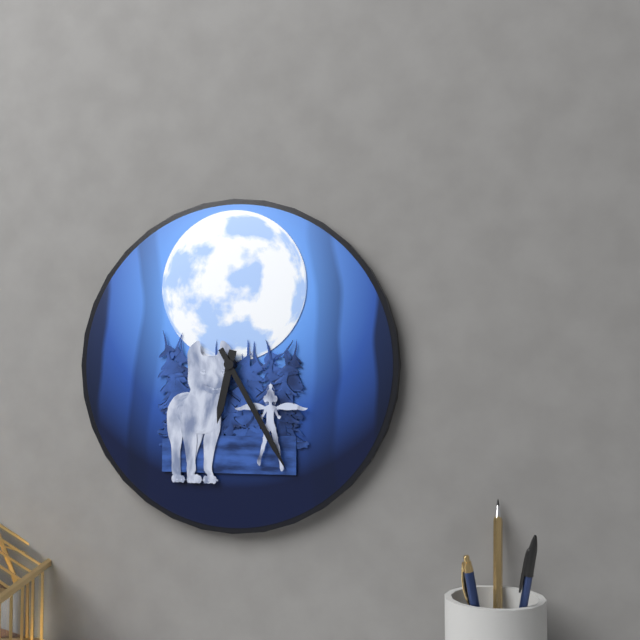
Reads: 6:25
